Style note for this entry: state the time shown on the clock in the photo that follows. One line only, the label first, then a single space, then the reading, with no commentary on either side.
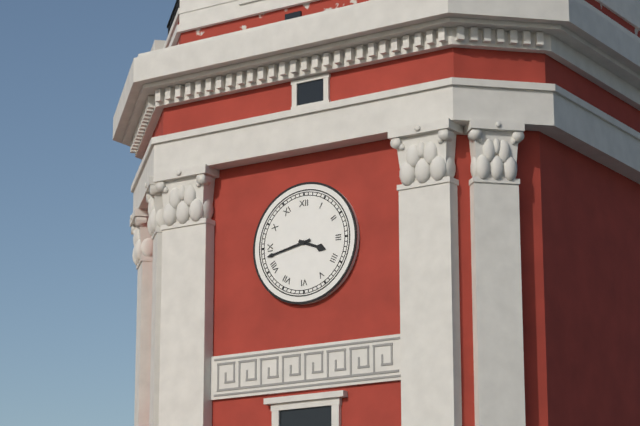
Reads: 3:43
